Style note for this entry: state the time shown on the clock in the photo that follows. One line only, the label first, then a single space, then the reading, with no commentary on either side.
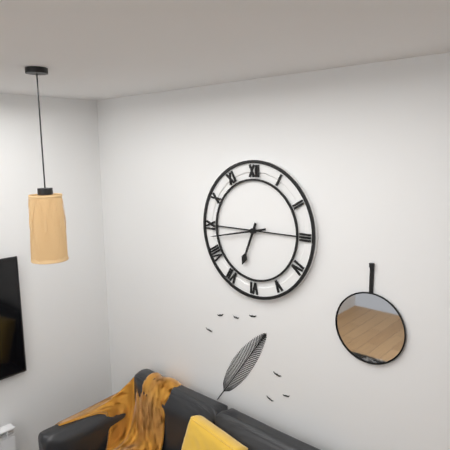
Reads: 6:43
